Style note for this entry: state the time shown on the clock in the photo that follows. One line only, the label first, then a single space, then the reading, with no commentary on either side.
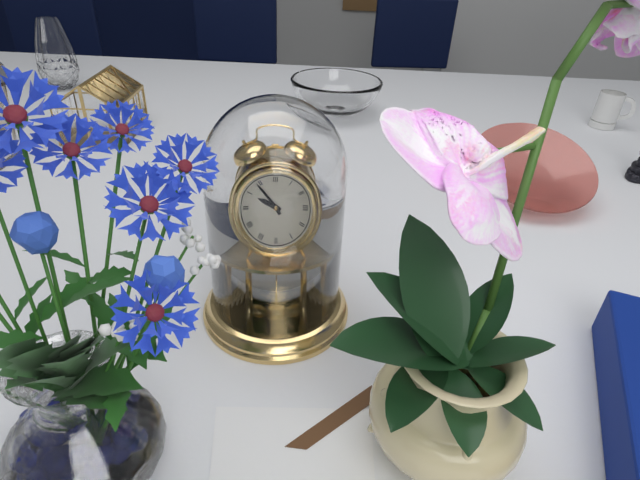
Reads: 9:54
